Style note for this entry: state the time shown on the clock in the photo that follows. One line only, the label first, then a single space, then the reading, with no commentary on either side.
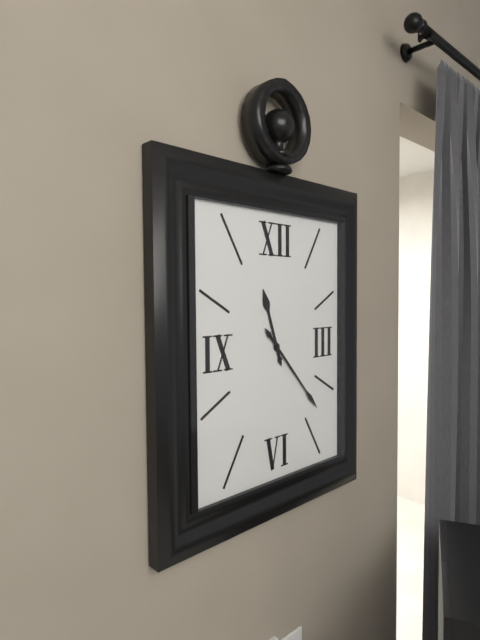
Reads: 11:23
